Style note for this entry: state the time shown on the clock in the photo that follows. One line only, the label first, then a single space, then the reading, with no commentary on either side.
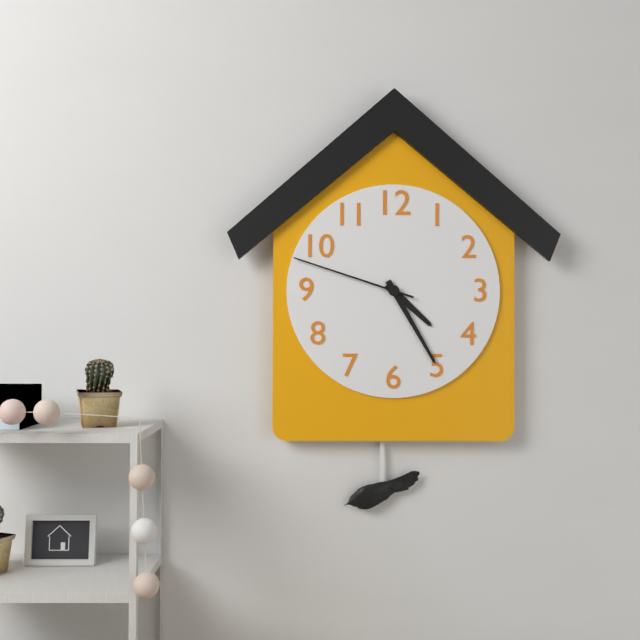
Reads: 4:25:48
